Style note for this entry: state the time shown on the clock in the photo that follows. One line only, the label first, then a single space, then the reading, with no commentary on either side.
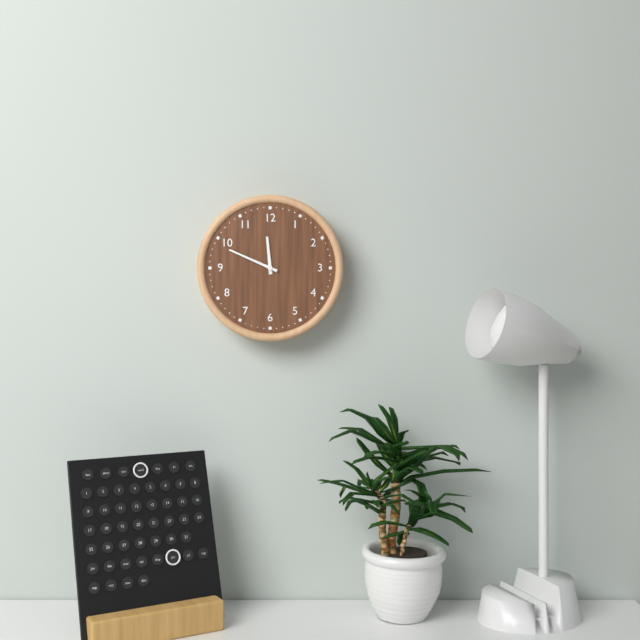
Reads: 11:49
